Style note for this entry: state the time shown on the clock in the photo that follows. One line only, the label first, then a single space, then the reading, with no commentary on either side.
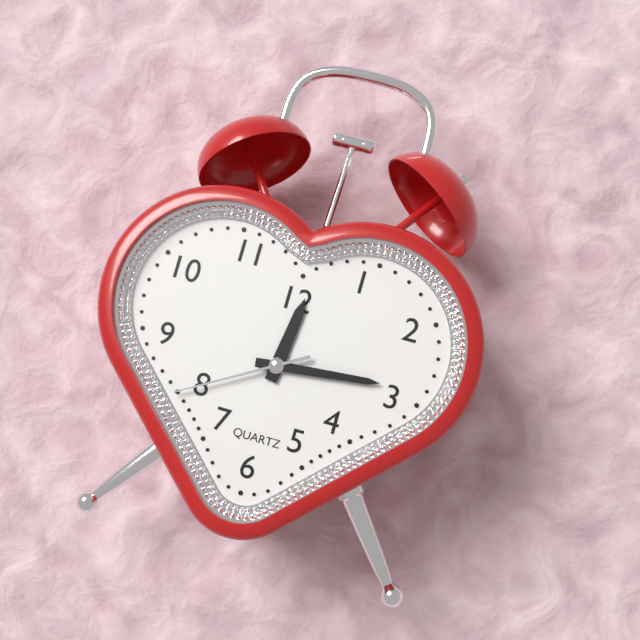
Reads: 12:14:40
